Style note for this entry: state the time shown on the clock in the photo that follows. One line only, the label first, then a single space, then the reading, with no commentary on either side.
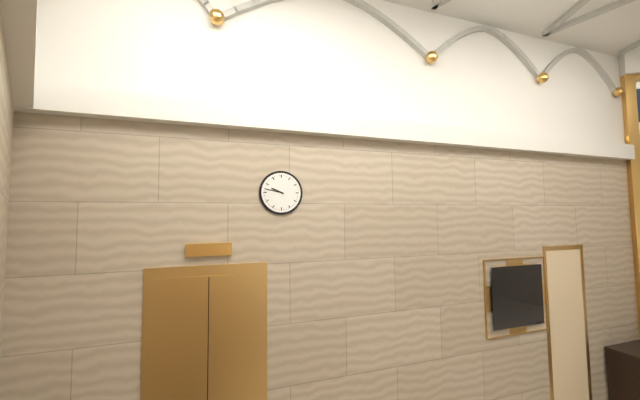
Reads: 9:47
